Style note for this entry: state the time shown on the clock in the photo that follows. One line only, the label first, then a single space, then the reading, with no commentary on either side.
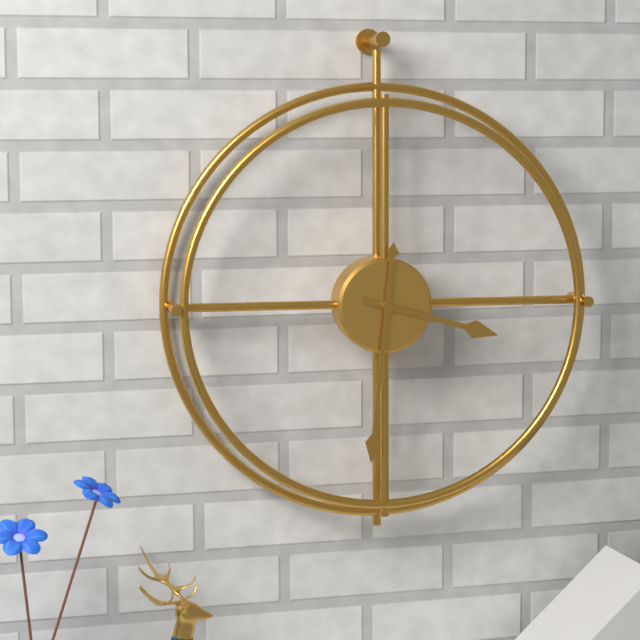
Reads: 3:31
